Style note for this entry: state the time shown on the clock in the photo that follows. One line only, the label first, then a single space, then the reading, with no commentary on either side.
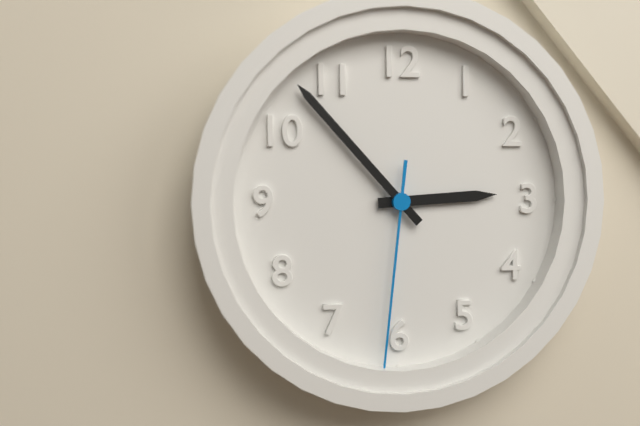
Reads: 2:53:31
